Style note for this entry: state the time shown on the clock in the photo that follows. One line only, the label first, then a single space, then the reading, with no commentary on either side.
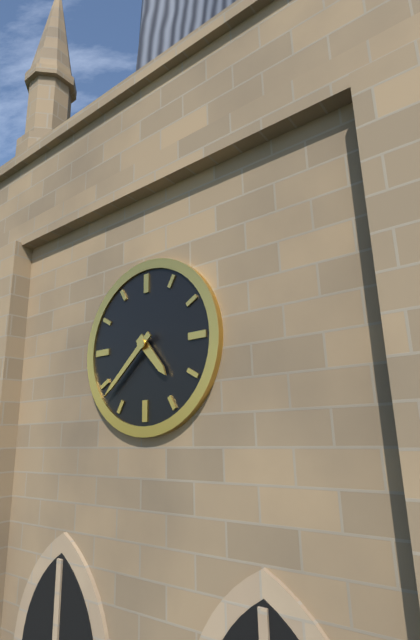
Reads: 4:38
